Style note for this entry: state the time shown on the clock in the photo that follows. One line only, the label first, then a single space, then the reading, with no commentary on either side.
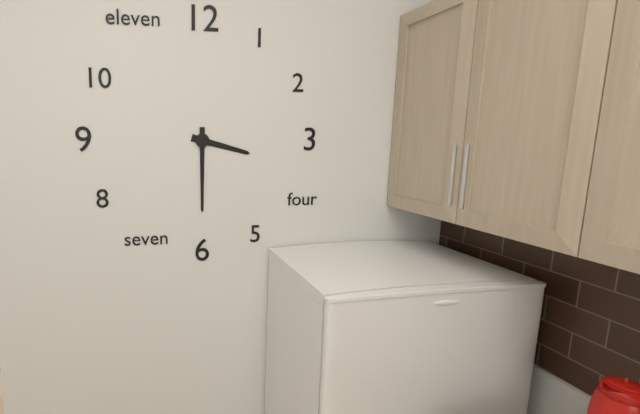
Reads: 3:30
